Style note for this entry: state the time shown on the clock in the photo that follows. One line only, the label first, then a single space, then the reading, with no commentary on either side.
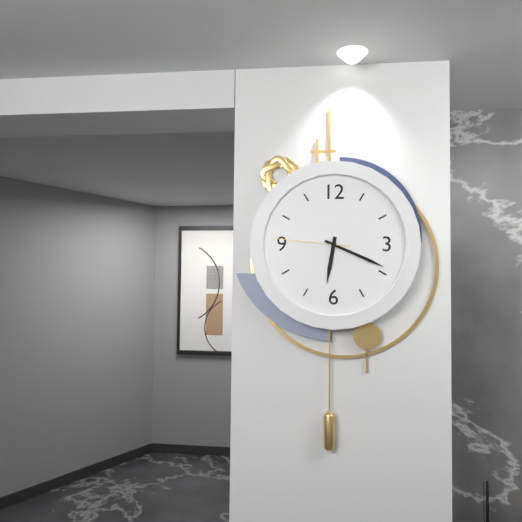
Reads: 6:19:46
